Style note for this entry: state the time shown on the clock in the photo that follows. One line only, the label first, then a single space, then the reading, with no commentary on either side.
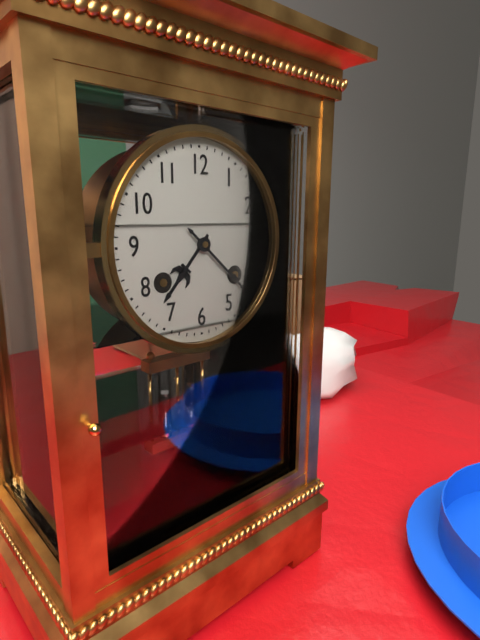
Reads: 7:22
